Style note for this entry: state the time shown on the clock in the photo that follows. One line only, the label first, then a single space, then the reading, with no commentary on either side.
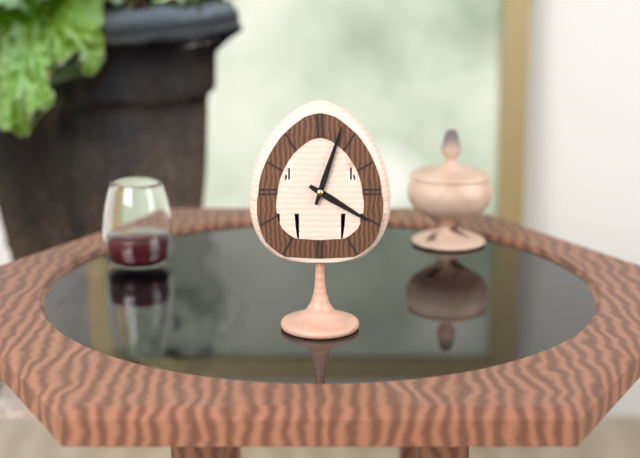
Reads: 4:03
